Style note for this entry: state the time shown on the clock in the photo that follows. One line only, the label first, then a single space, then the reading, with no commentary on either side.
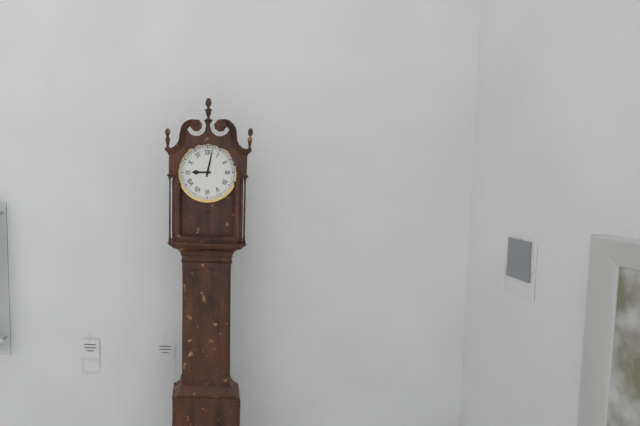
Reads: 9:02
